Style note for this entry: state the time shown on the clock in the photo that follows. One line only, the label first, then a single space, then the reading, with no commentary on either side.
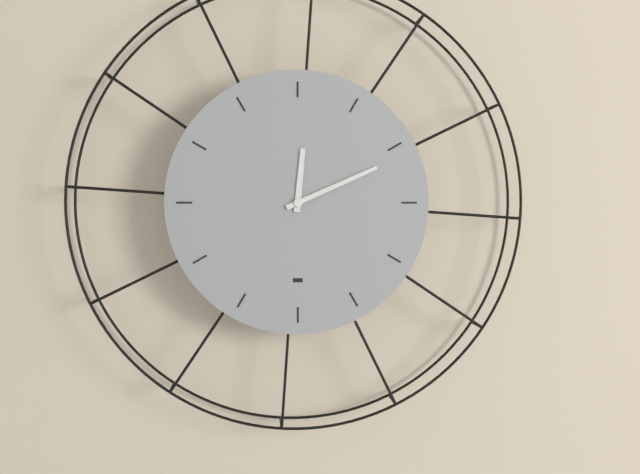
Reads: 12:11
